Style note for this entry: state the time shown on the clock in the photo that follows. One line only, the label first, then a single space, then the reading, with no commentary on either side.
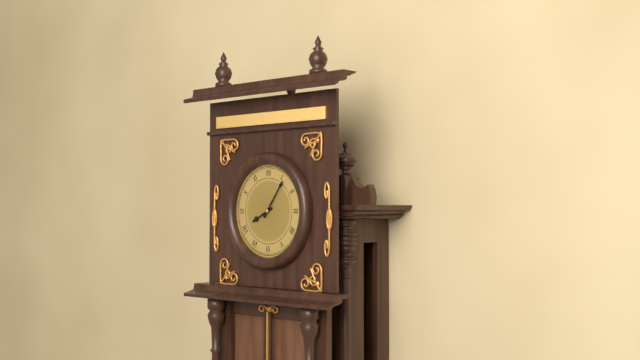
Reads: 8:06
